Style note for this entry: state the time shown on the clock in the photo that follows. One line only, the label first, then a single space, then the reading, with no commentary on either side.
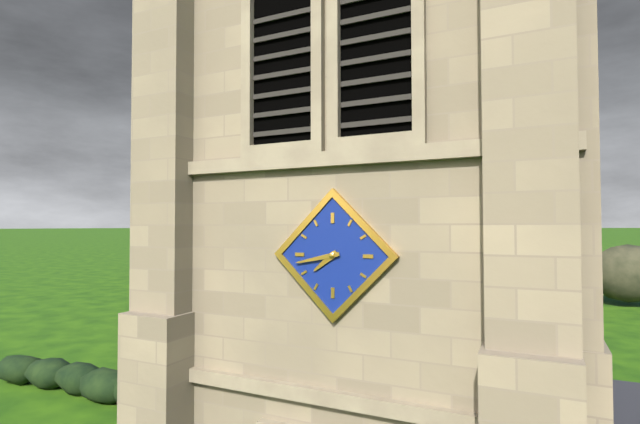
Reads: 7:43
